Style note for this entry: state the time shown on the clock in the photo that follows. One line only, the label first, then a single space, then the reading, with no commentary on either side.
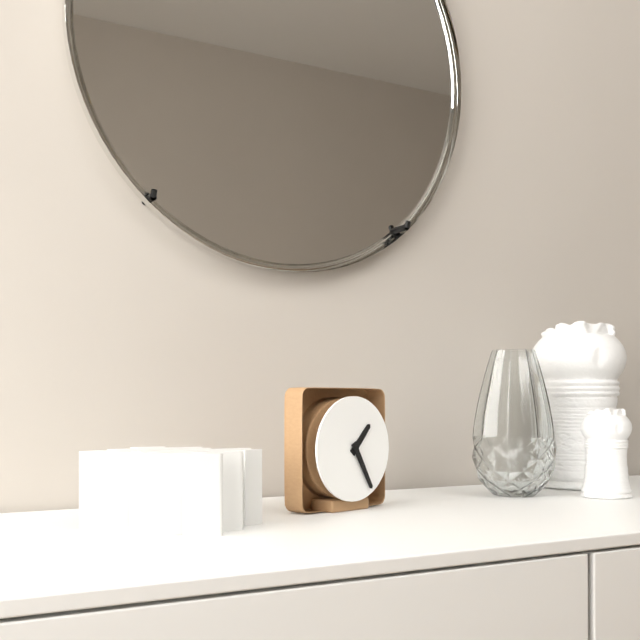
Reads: 1:25
